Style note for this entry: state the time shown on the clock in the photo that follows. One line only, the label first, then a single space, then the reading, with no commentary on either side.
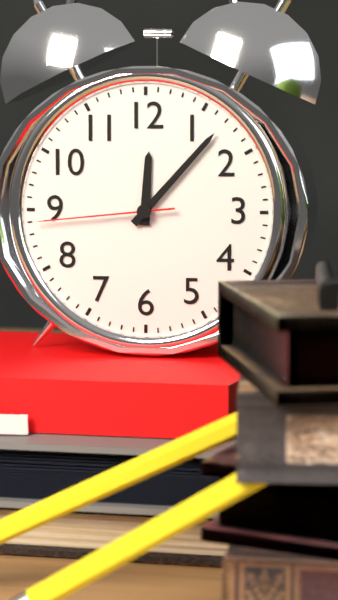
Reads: 12:07:44
